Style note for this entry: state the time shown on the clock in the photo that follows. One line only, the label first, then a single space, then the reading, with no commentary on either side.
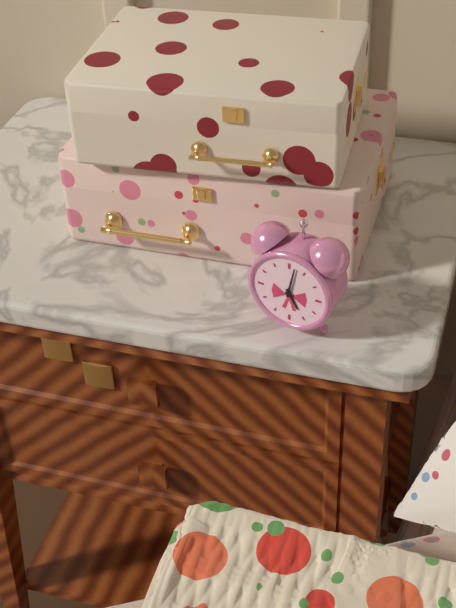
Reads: 5:02
